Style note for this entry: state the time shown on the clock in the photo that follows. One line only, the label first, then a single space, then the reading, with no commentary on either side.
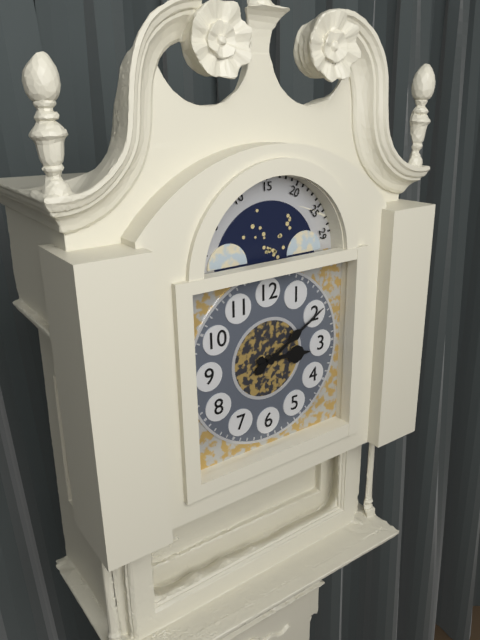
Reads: 3:10
